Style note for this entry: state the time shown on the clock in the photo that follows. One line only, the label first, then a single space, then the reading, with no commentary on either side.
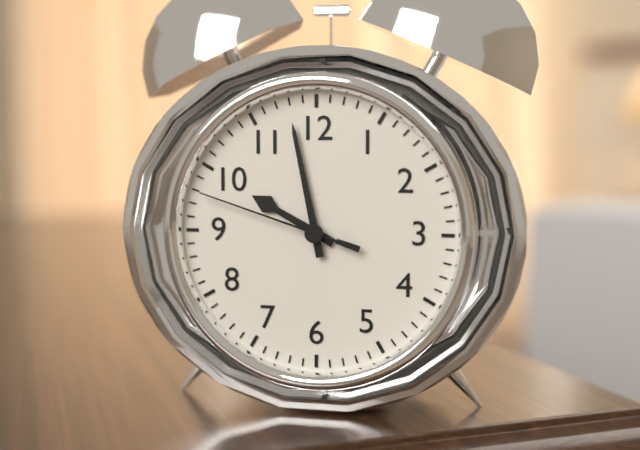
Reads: 9:58:48
